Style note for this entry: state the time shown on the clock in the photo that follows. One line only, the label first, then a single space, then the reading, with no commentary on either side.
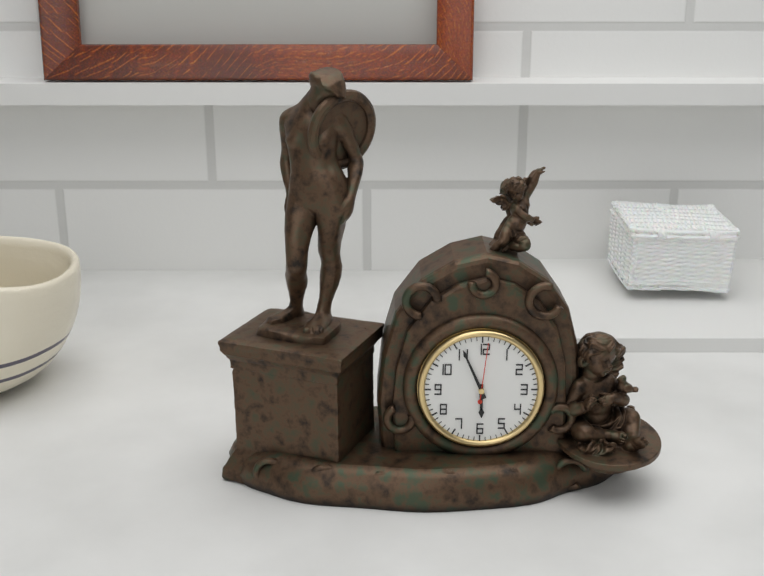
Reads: 5:56:01
